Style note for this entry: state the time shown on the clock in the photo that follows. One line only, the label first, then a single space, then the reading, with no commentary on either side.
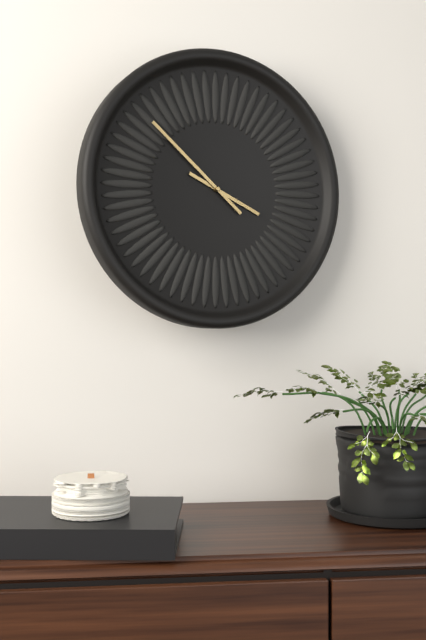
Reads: 3:52
